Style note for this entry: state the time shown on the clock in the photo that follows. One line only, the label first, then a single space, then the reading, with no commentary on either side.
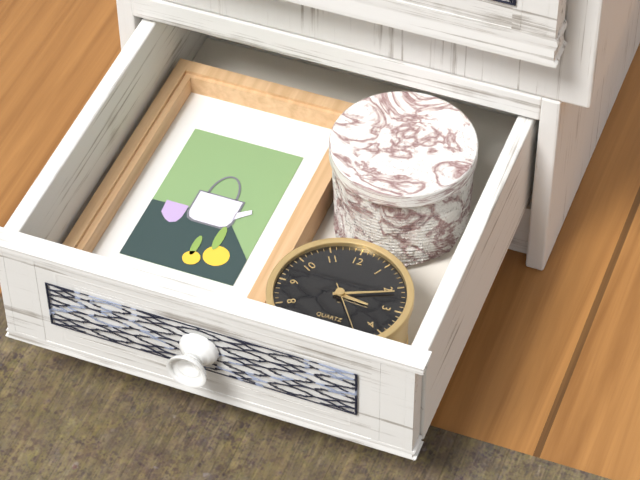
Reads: 3:11:24
